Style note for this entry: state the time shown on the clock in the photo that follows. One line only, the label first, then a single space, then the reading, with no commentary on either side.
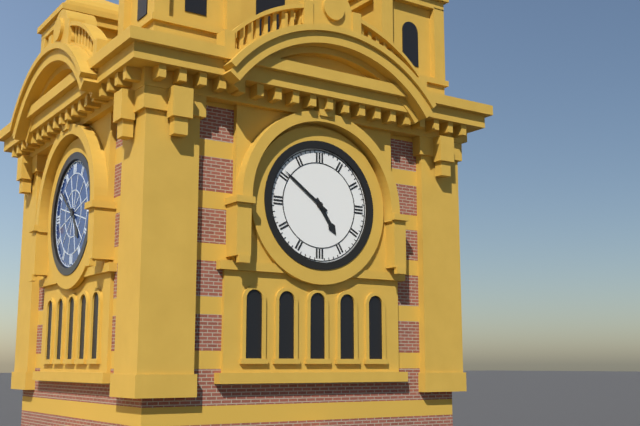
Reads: 4:51
